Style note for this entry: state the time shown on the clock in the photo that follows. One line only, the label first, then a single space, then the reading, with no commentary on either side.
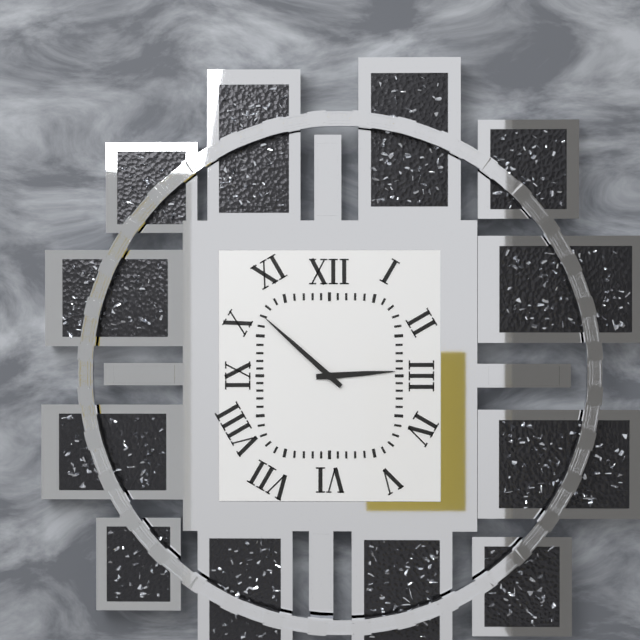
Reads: 2:52
